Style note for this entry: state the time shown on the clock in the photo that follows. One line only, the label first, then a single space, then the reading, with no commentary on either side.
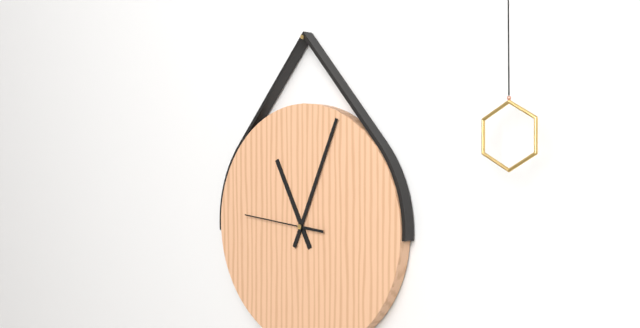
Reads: 11:04:46
